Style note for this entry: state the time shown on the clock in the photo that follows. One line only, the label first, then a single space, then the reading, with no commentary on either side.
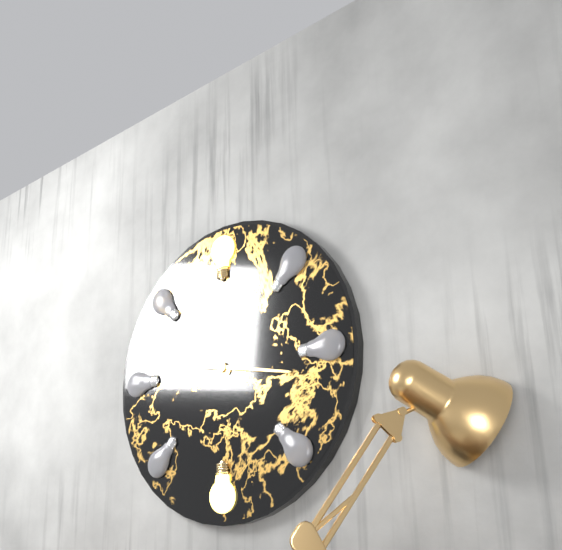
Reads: 10:17
